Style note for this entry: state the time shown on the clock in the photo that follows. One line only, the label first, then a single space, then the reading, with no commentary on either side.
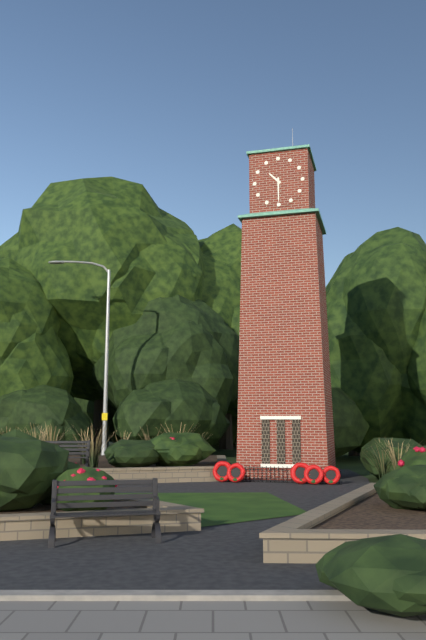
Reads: 10:30
